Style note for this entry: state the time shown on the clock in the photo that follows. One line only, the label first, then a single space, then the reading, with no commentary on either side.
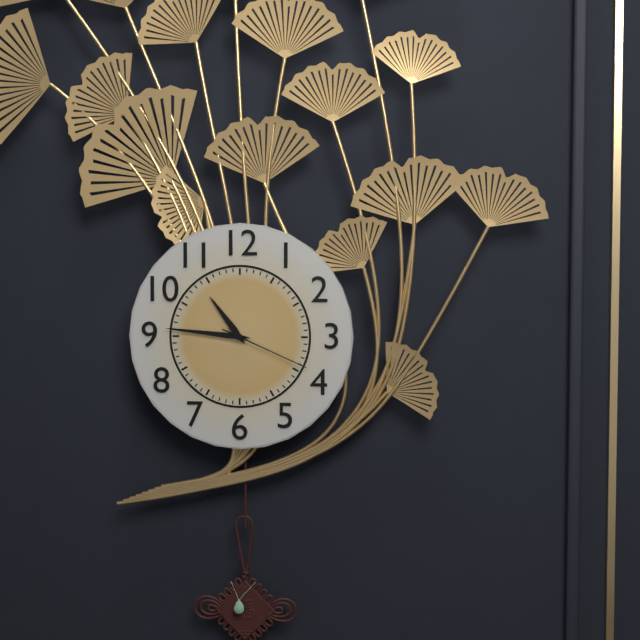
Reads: 10:46:19
